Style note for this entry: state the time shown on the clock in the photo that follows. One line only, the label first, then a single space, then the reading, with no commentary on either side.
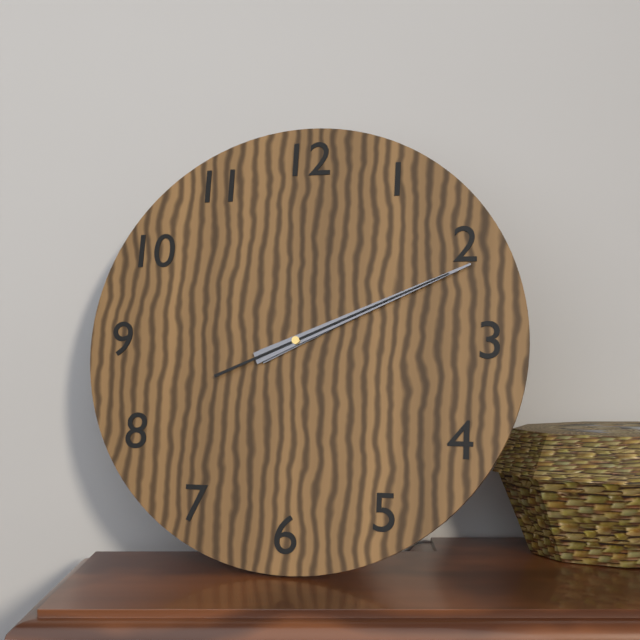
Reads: 2:11:11
